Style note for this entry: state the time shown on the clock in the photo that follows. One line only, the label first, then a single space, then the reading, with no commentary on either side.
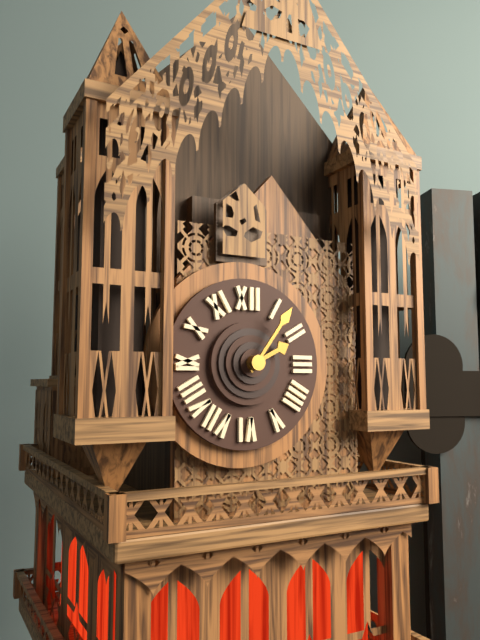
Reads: 2:06
